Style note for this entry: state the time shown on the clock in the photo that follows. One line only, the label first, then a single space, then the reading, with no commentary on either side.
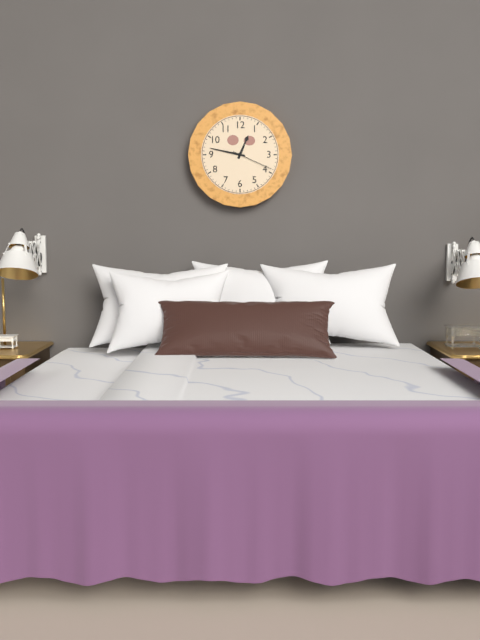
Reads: 12:47
